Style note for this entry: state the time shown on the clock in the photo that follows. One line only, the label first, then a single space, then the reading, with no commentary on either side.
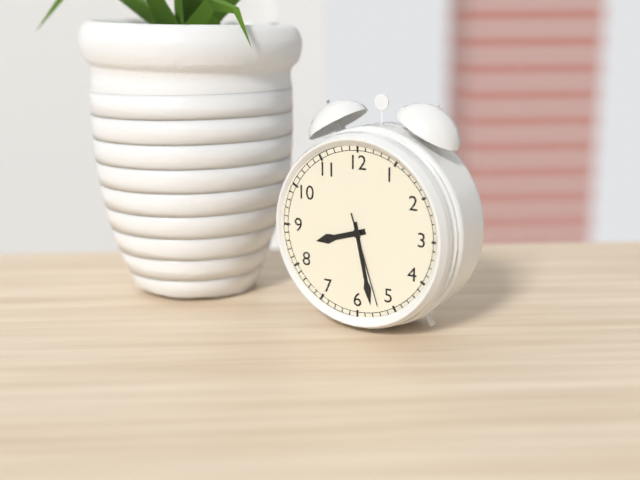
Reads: 8:28:27
